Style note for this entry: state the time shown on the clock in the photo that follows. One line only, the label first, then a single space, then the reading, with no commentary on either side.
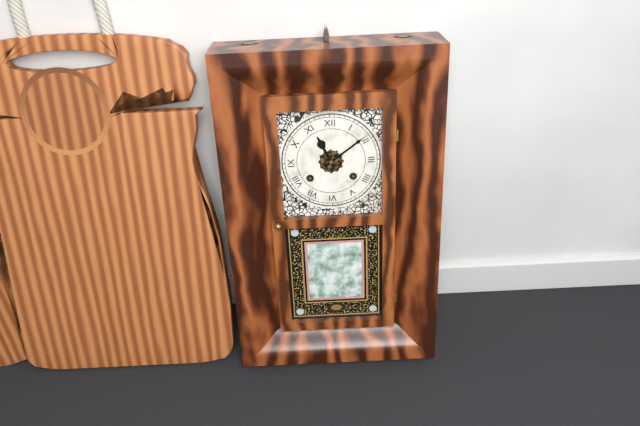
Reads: 11:09
